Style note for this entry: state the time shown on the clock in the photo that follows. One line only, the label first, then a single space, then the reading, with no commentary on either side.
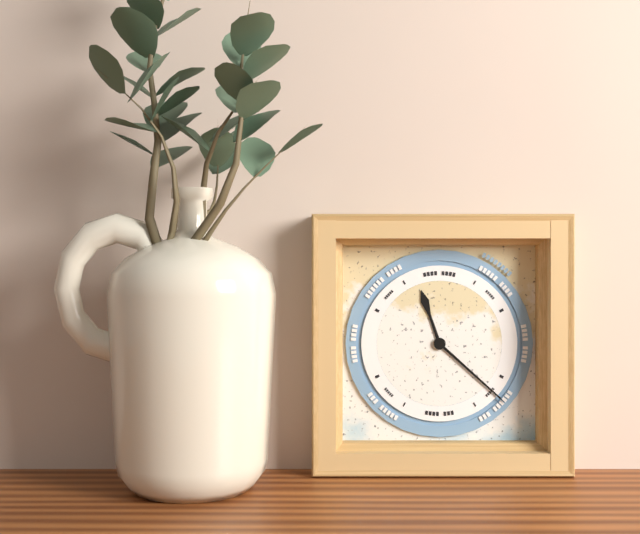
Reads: 11:22
